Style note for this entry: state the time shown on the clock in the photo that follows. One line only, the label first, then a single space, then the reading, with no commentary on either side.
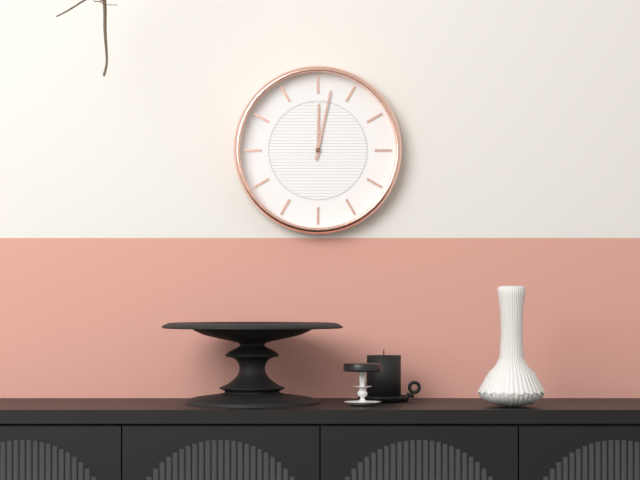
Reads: 12:02
